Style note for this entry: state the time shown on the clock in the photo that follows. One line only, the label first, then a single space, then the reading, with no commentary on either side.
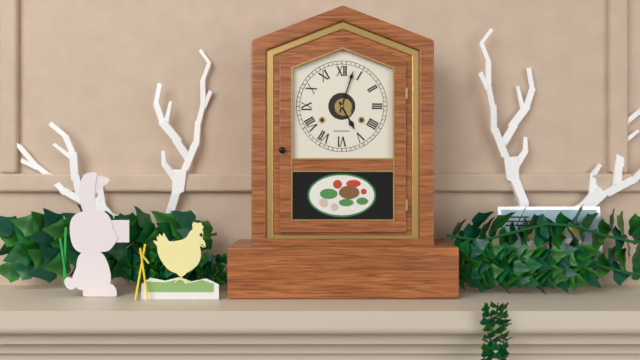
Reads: 5:03
